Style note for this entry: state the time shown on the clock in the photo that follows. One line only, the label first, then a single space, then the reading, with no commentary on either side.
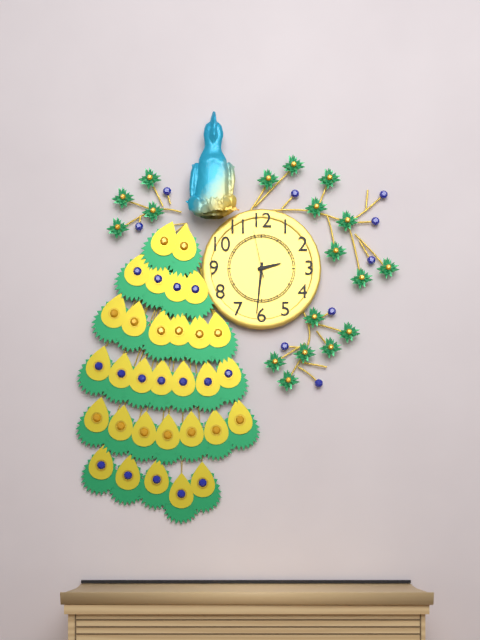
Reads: 2:31:58
